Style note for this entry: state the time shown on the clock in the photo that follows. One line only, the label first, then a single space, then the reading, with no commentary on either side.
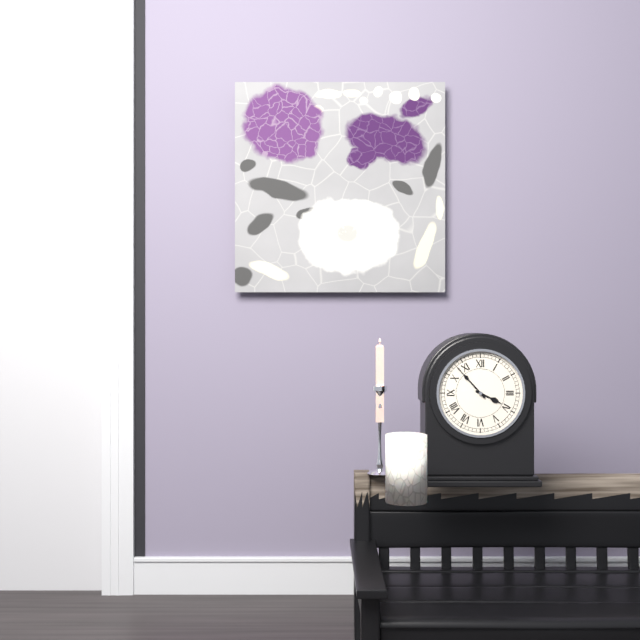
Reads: 3:53
